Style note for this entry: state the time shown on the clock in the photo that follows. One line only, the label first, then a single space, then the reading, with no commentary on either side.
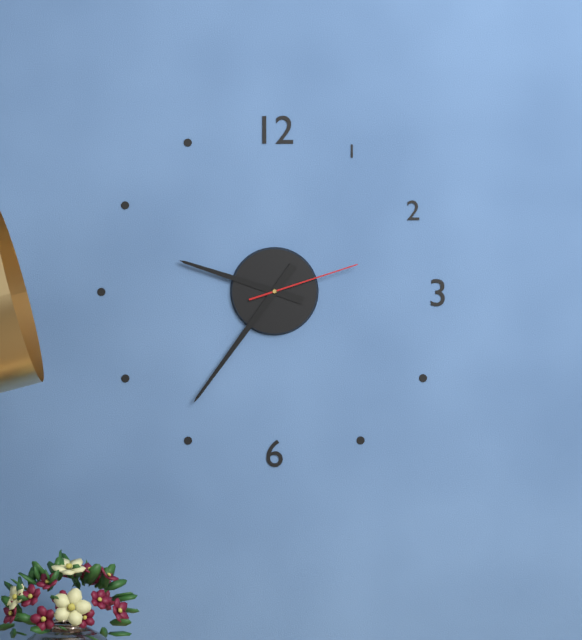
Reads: 9:36:12
